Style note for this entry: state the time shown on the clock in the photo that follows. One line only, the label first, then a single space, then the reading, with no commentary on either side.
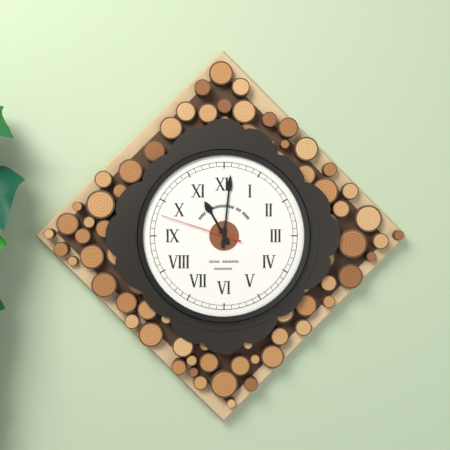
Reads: 11:01:48
